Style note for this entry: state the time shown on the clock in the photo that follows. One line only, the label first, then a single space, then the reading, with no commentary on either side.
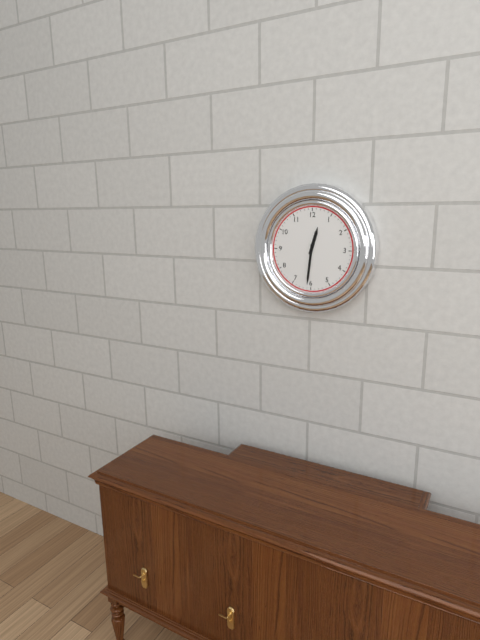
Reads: 12:31
